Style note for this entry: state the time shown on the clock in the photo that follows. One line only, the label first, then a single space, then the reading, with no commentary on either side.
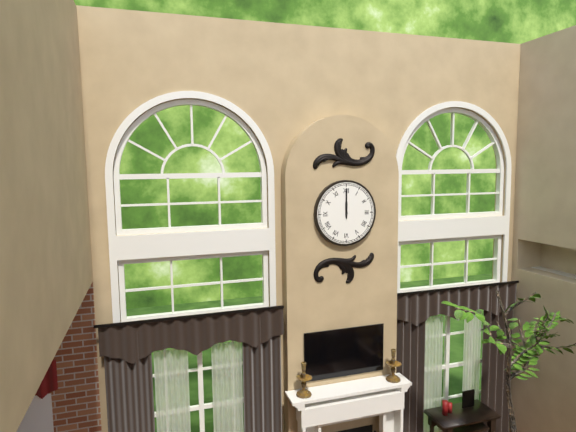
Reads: 12:00
